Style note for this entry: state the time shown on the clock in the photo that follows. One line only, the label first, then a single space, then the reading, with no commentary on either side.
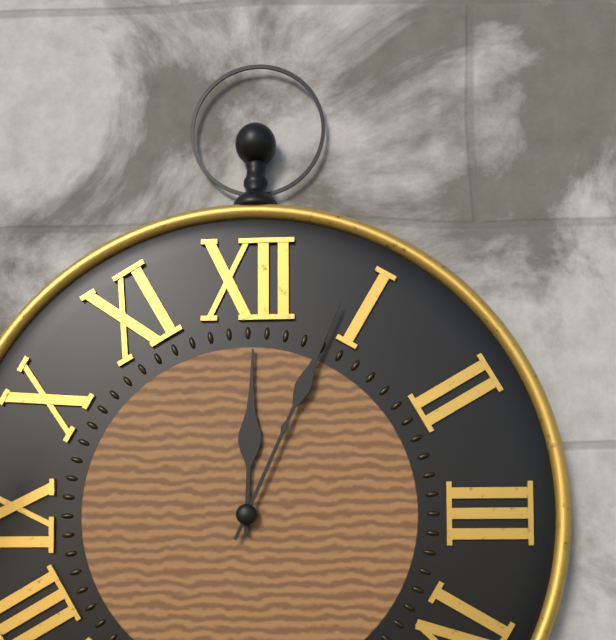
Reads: 12:04
